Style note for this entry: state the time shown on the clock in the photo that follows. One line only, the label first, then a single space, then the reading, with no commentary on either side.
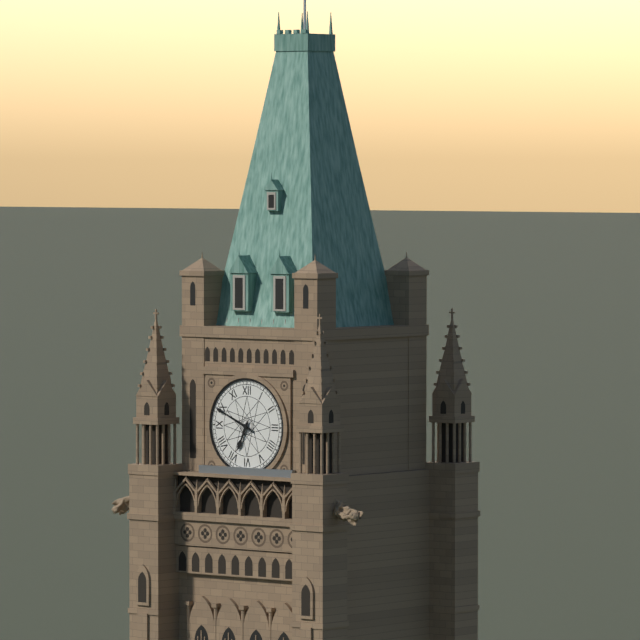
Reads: 6:49
